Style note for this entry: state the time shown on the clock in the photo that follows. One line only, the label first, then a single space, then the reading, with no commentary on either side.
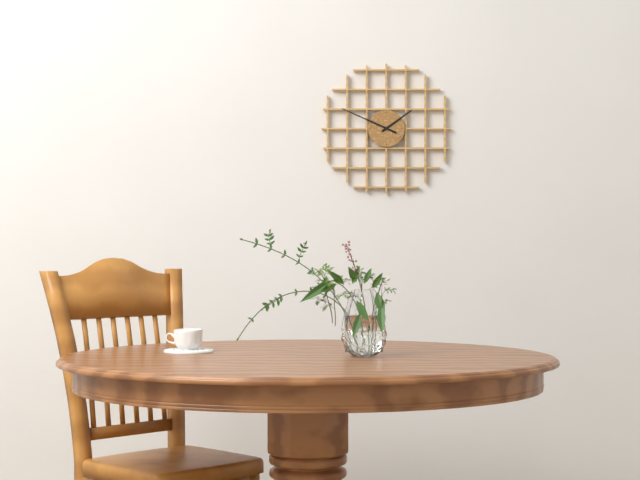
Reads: 1:49
